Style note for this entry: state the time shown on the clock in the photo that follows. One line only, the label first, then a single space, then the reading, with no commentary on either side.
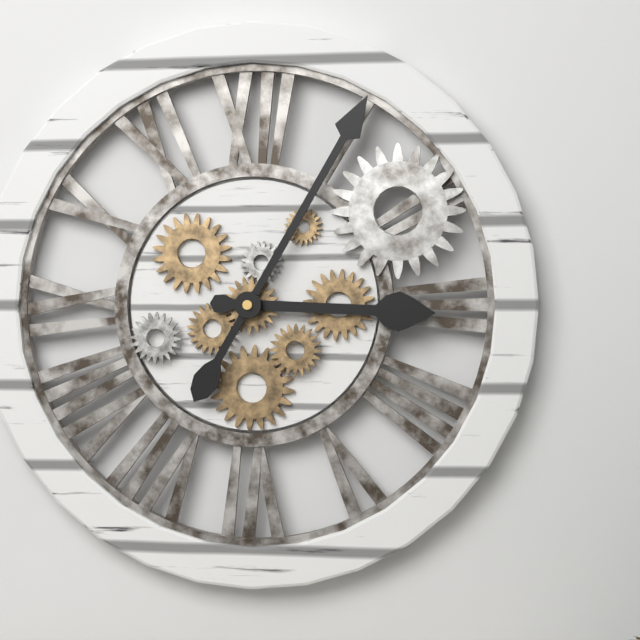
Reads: 3:05
